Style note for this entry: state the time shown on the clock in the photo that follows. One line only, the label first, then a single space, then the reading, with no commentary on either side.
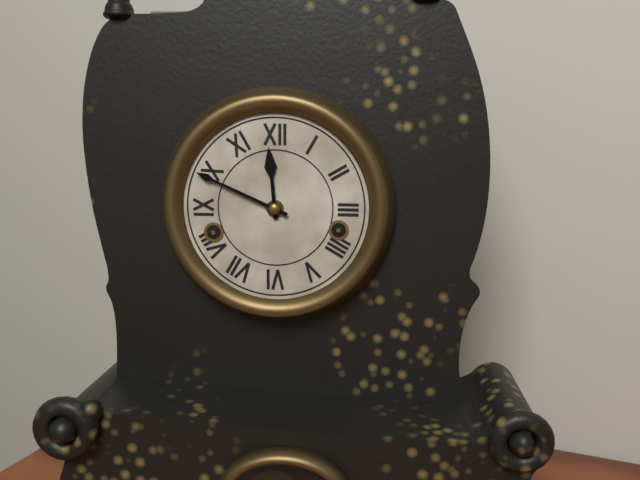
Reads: 11:49
